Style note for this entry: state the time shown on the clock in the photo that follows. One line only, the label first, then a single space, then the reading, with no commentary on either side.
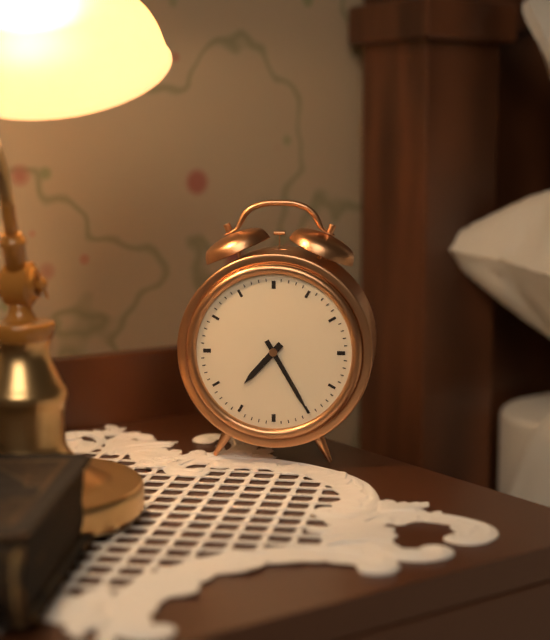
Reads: 7:25
